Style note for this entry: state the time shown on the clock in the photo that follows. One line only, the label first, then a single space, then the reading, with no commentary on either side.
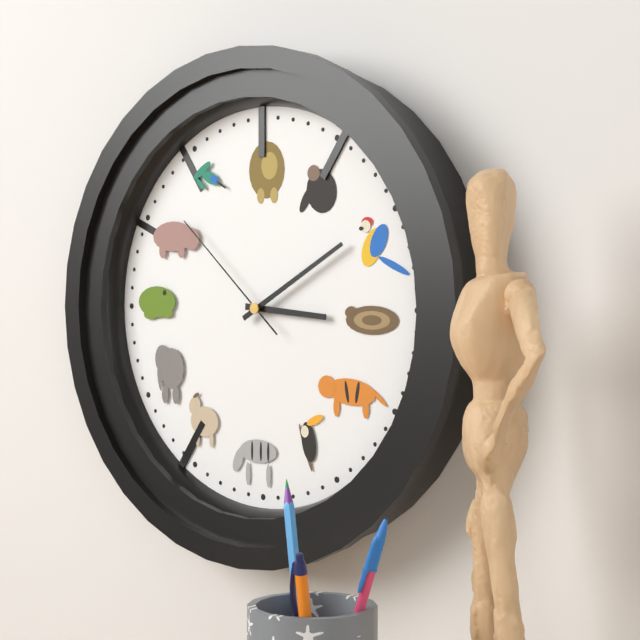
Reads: 3:10:52
